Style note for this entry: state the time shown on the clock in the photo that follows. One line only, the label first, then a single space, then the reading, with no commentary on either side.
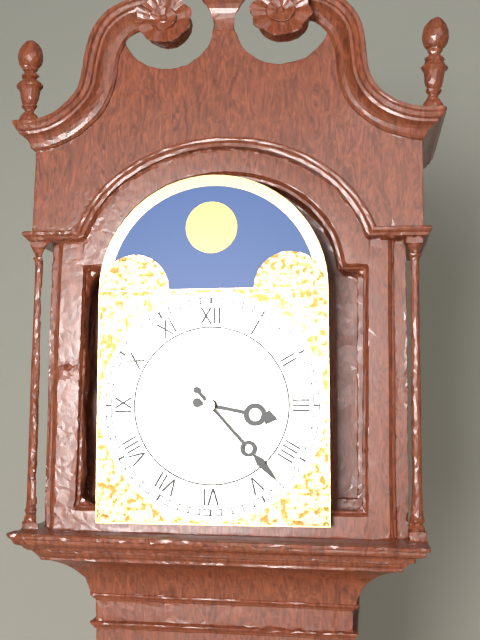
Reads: 3:23
